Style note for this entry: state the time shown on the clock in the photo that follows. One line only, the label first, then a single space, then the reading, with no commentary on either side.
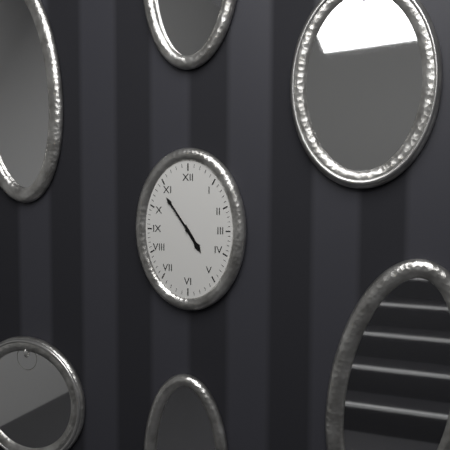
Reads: 4:54
